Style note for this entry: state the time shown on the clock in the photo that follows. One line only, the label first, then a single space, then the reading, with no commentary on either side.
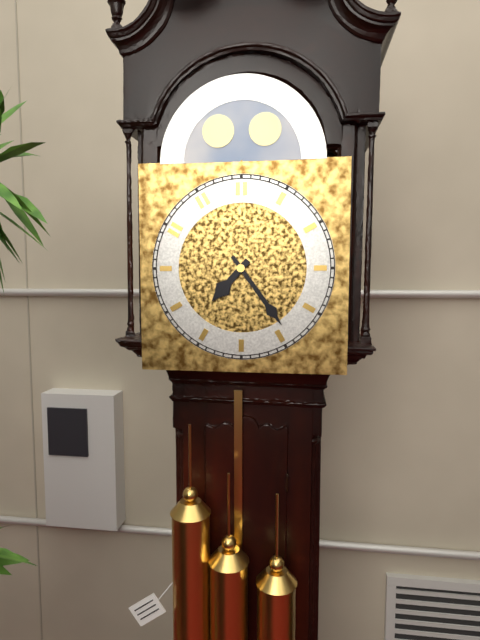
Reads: 7:24
